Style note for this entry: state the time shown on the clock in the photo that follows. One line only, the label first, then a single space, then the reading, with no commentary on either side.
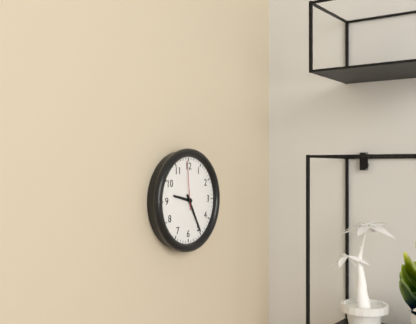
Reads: 9:25
